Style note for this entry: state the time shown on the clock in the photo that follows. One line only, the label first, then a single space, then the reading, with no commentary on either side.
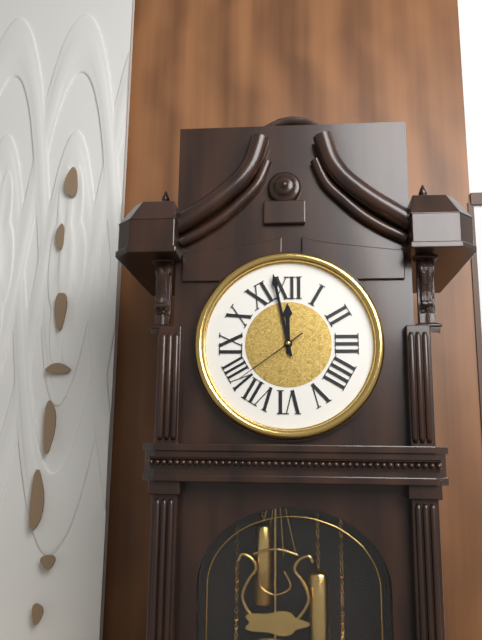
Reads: 11:58:39
